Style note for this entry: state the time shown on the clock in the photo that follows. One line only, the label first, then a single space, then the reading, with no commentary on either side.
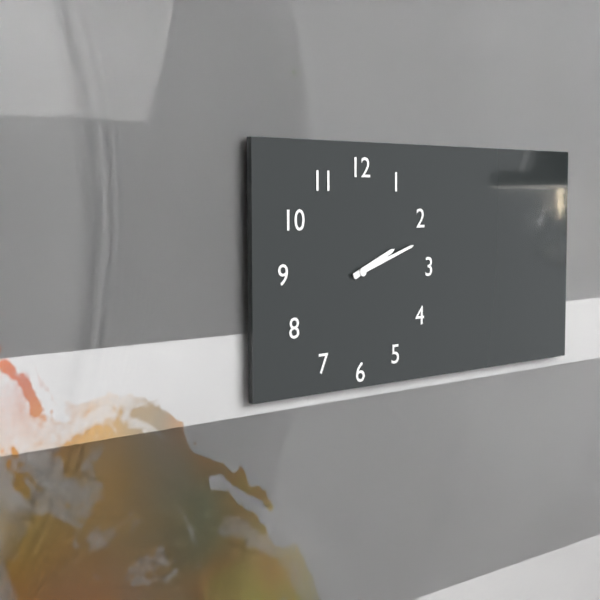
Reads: 2:12
